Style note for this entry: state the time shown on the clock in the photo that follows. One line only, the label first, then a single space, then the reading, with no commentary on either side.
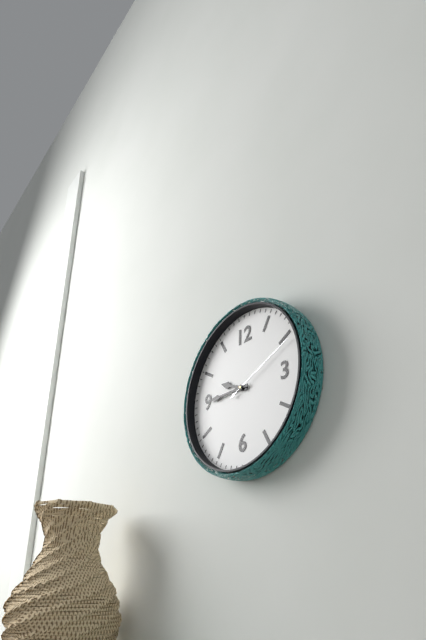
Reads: 9:45:11
